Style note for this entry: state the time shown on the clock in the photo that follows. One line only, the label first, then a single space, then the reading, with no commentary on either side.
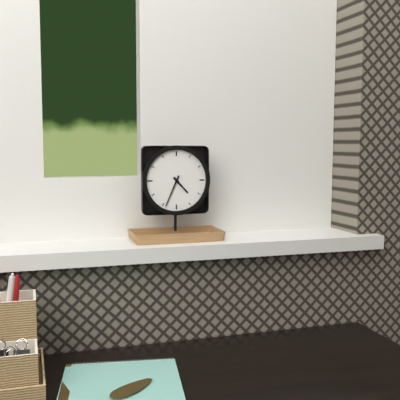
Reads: 4:34
